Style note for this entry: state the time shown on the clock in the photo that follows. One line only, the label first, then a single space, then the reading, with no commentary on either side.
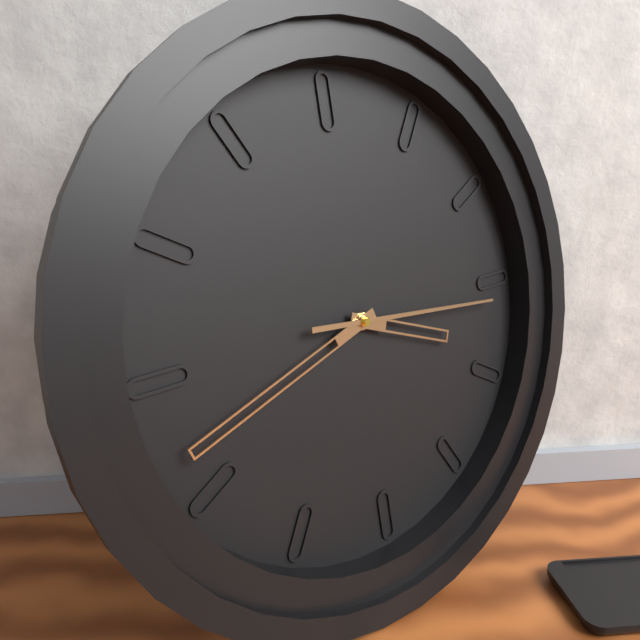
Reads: 3:42:16
